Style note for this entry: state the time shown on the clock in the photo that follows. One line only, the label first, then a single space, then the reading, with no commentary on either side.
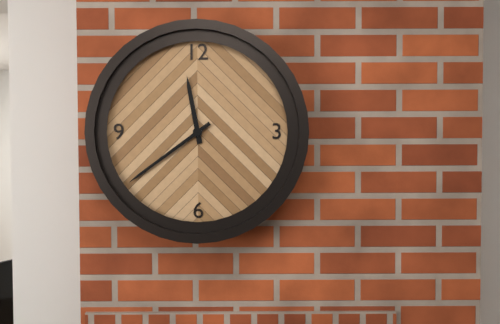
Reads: 11:39
